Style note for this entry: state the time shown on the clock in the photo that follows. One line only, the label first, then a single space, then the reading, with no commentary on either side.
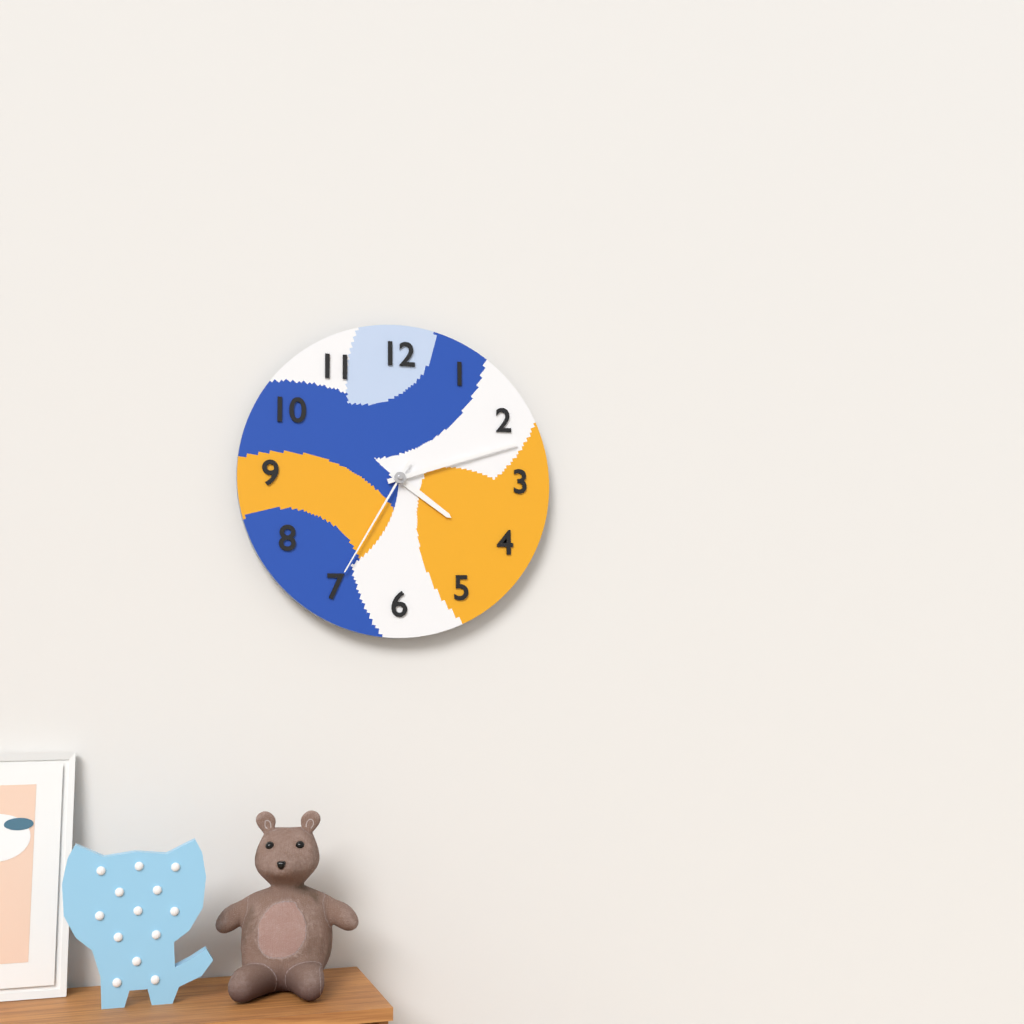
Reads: 4:12:35
